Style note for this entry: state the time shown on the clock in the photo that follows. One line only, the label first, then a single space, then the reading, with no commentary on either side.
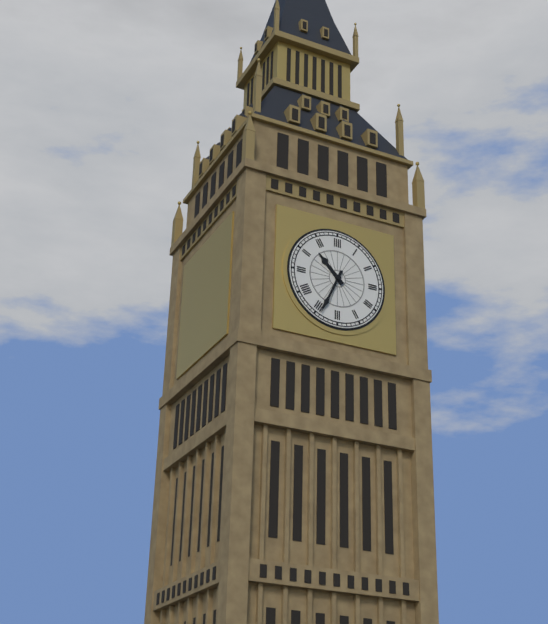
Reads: 10:34
